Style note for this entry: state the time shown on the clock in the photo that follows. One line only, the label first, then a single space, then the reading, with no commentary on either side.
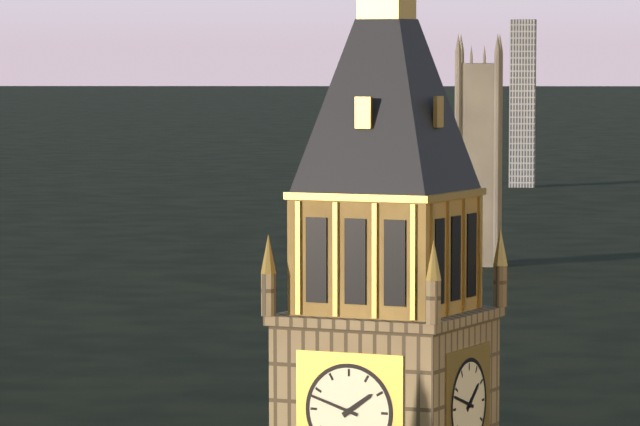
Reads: 1:48
